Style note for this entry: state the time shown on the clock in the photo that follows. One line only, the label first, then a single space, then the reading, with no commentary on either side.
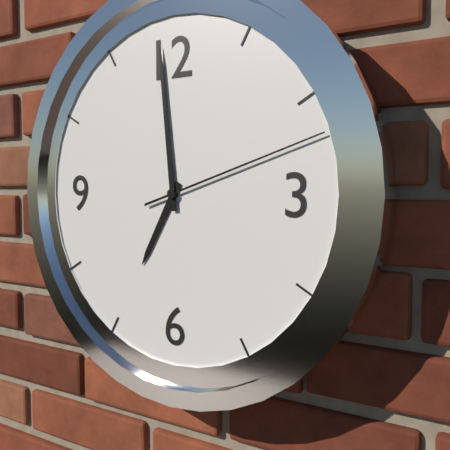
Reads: 6:59:12
